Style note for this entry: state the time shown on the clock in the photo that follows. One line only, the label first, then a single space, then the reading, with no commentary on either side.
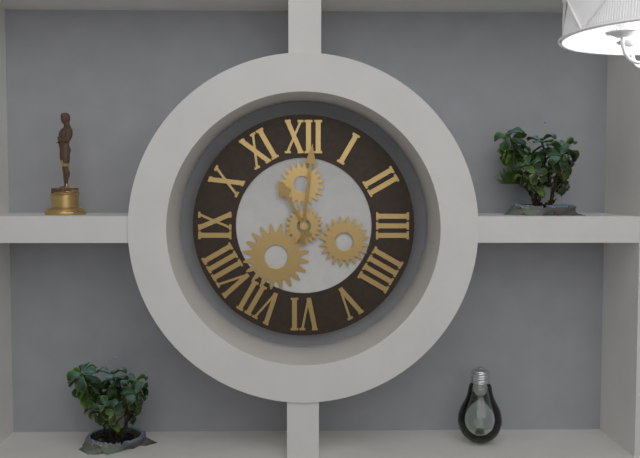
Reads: 11:01
